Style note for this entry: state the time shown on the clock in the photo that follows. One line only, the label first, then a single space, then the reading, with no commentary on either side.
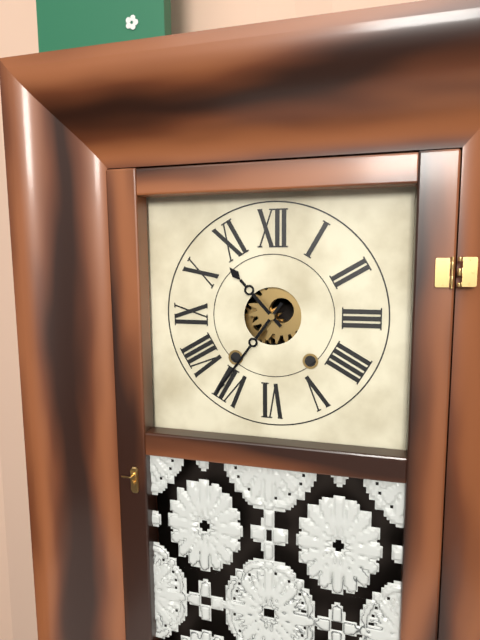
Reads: 10:36
